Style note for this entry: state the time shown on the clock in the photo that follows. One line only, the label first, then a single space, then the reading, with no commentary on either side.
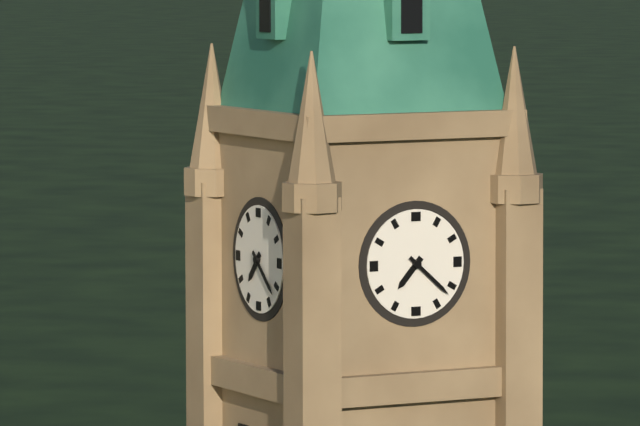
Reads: 7:22
